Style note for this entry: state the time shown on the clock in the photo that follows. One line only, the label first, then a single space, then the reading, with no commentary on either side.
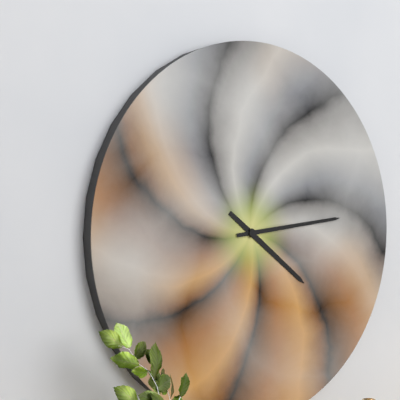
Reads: 4:14
